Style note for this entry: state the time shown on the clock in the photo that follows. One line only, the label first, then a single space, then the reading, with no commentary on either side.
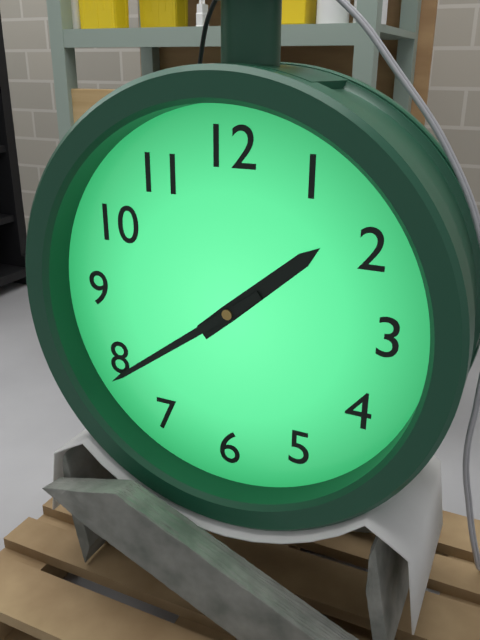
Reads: 1:39
